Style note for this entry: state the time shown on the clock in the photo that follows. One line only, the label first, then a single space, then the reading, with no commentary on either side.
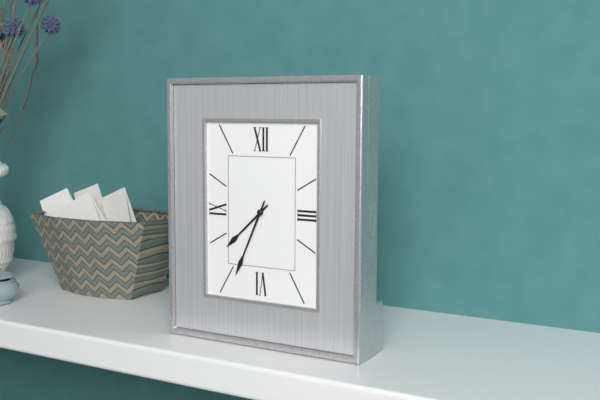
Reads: 7:34
